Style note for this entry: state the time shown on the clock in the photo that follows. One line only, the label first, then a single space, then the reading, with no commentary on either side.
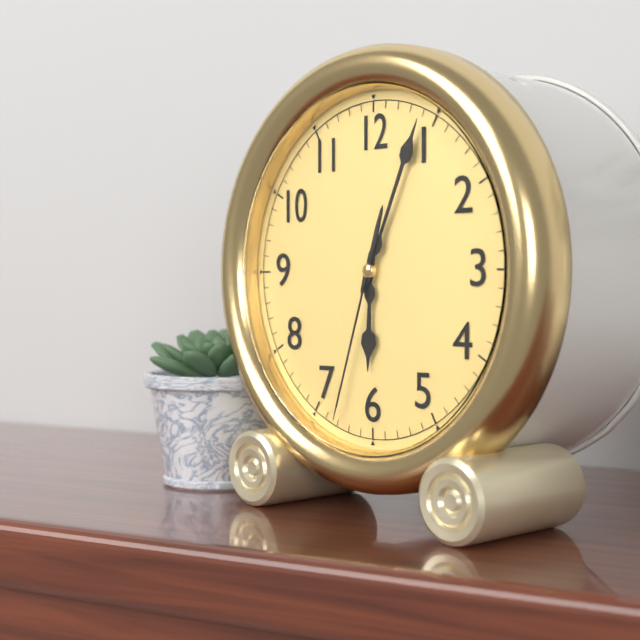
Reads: 6:04:33
